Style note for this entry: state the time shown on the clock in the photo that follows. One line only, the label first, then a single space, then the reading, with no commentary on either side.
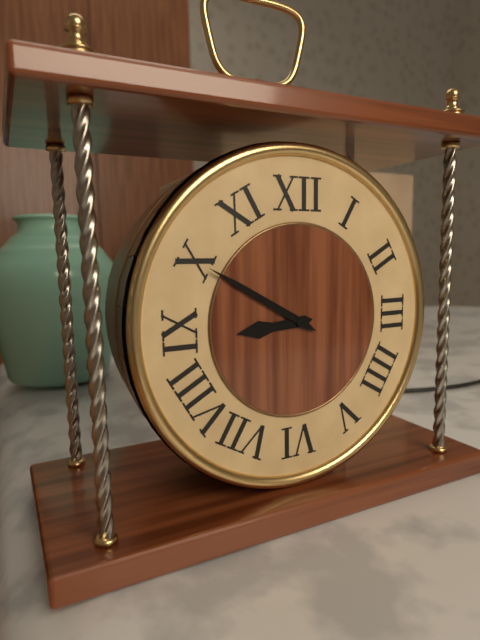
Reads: 8:50
